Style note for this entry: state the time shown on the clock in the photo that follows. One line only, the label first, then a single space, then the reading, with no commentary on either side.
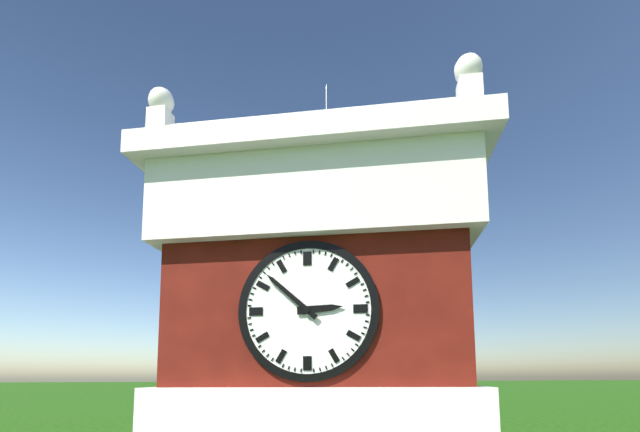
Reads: 2:52
